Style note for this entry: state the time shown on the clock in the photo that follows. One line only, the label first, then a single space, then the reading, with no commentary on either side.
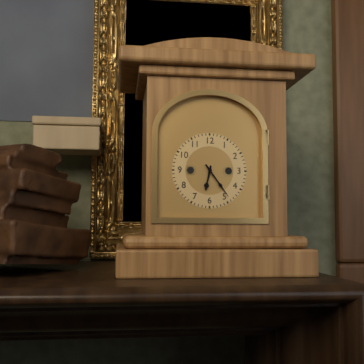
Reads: 6:24
